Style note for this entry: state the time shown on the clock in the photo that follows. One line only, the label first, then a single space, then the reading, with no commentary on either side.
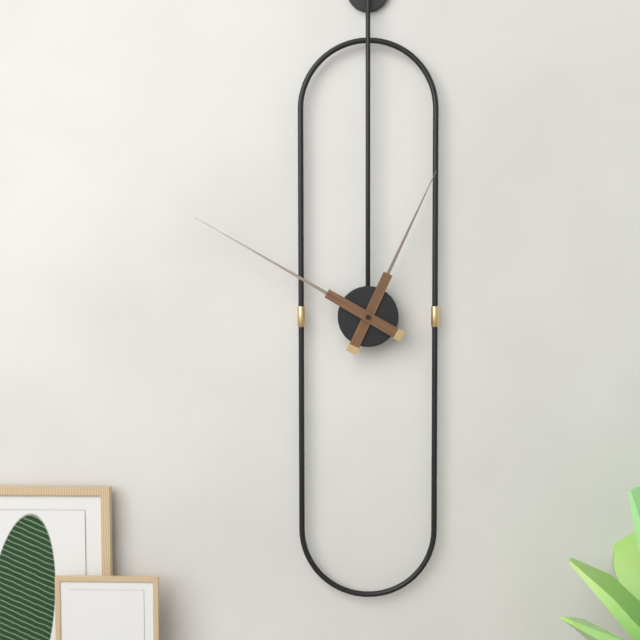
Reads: 12:50
